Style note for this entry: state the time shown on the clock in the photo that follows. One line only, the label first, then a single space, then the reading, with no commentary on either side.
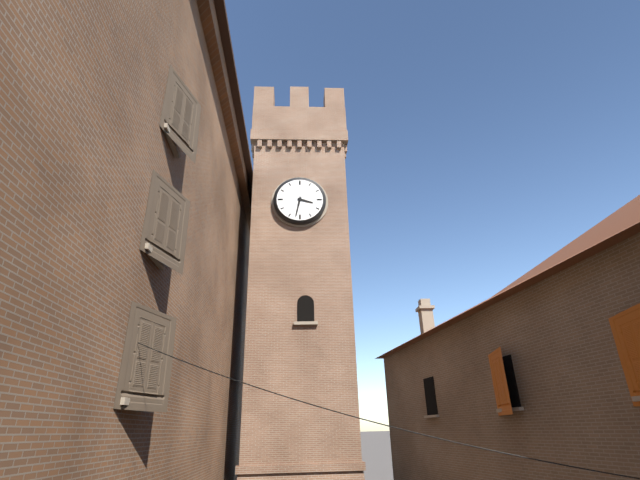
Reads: 3:32
